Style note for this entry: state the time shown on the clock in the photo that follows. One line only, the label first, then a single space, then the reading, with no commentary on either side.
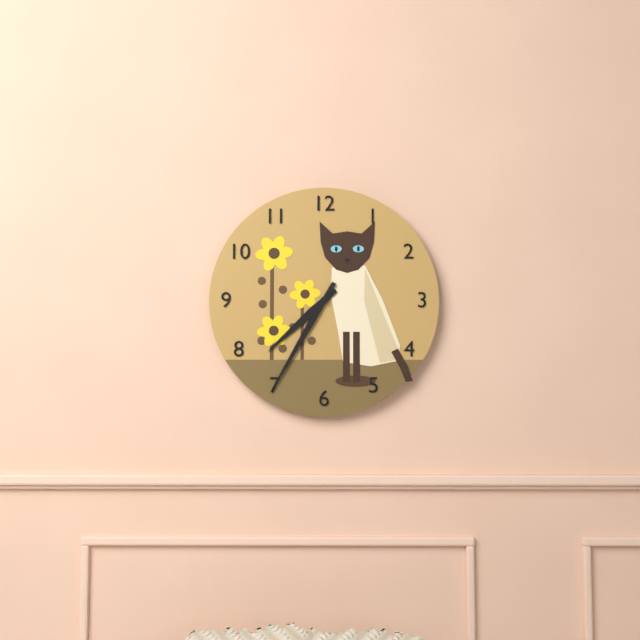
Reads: 7:35
